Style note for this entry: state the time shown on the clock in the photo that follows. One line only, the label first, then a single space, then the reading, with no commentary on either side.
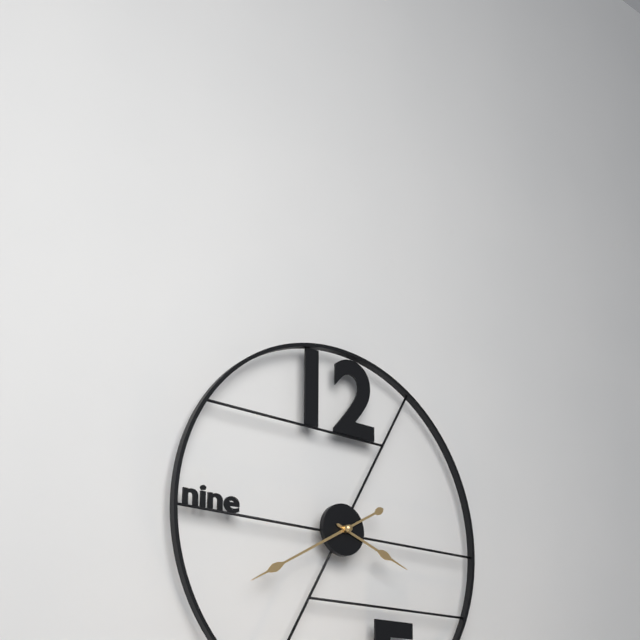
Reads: 3:40
